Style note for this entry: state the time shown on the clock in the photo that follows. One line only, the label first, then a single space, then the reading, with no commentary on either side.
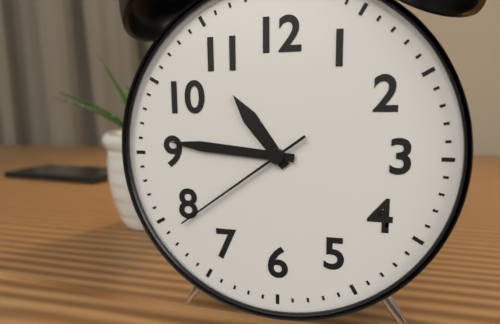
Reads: 10:46:39
